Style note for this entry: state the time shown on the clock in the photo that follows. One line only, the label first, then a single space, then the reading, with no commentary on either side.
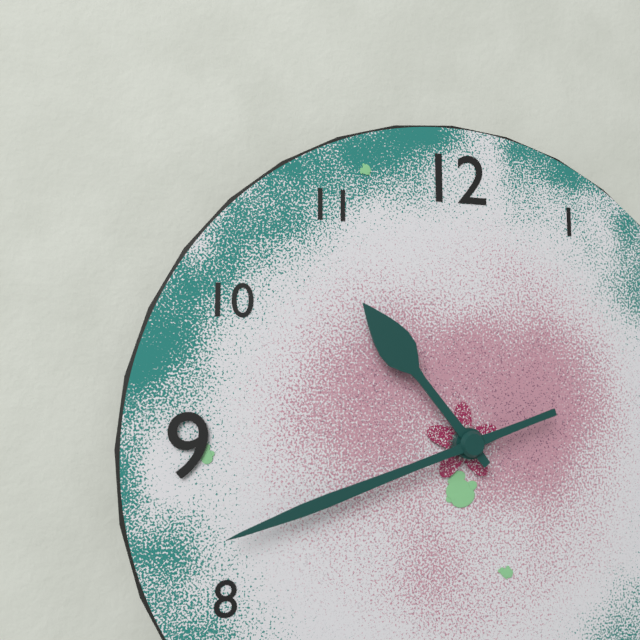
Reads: 10:42
